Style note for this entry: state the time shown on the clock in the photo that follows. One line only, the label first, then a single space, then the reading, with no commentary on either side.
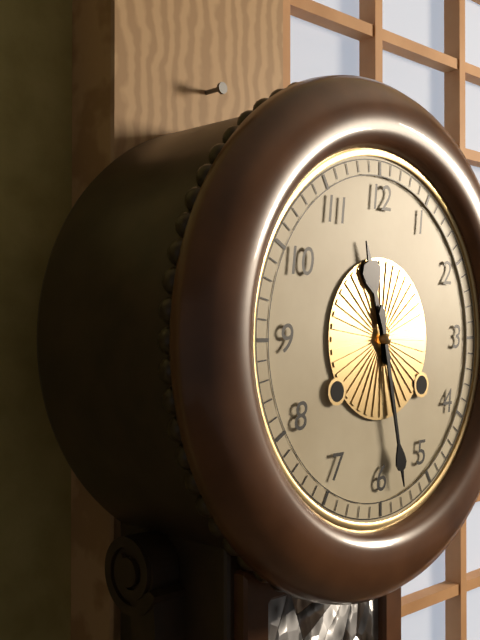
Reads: 11:28
